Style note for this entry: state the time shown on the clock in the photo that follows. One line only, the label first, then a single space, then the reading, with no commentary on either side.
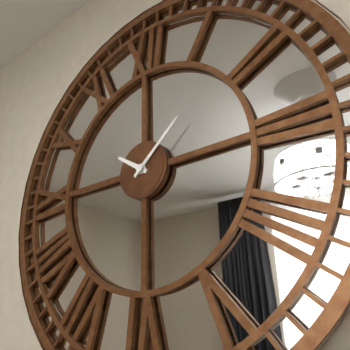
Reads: 10:08
